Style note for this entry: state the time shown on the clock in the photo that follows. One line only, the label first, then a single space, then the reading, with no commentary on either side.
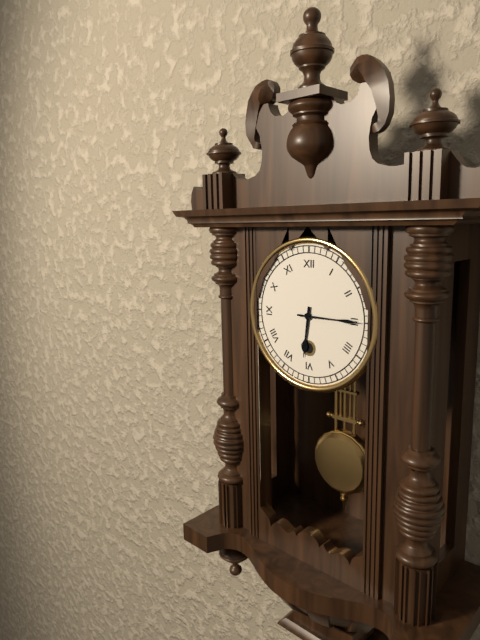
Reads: 6:15
